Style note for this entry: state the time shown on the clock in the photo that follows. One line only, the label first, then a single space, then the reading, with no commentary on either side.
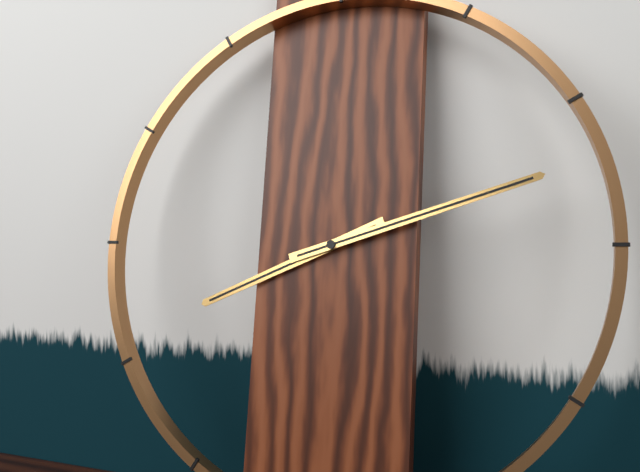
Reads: 8:12
